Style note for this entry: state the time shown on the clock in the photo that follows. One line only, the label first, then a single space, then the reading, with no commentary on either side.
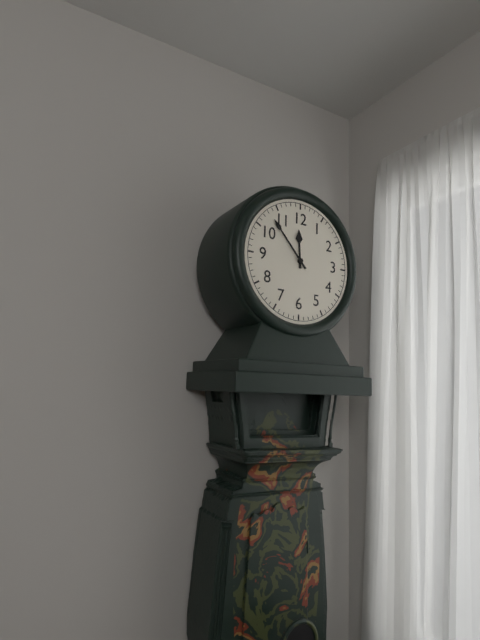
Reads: 11:53
